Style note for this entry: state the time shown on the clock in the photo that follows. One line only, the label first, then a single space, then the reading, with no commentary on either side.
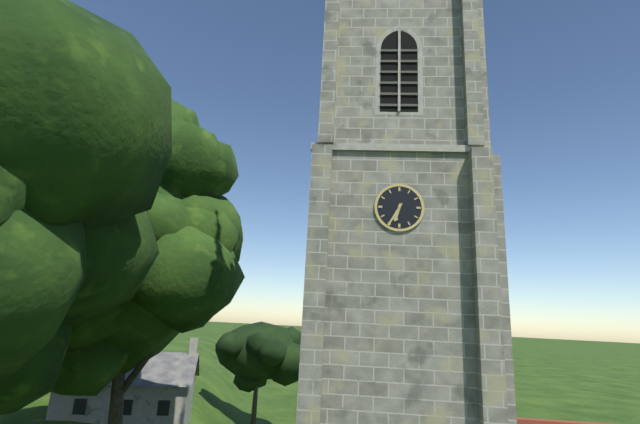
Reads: 6:35
